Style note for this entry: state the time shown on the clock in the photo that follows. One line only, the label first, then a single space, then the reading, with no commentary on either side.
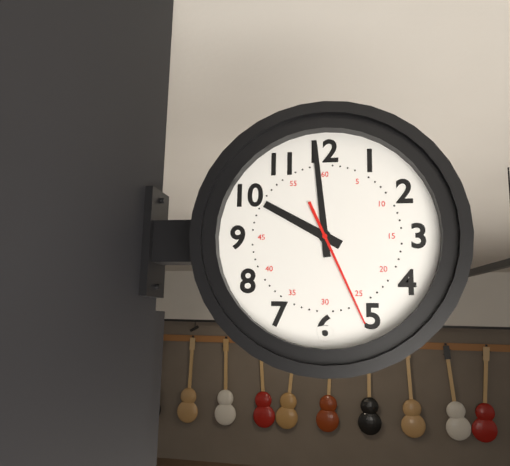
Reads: 9:59:26
